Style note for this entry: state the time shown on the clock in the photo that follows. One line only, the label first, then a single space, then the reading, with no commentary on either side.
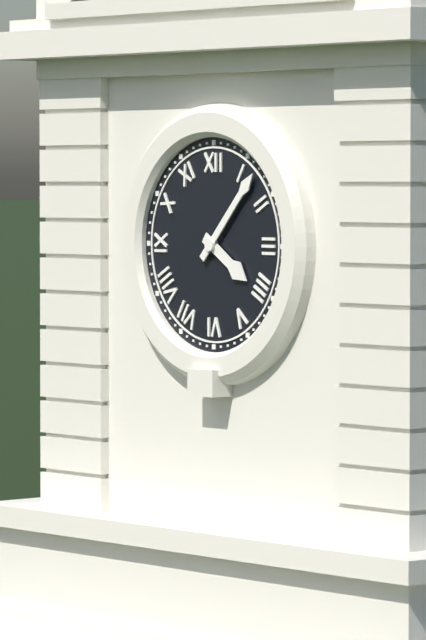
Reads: 4:07
